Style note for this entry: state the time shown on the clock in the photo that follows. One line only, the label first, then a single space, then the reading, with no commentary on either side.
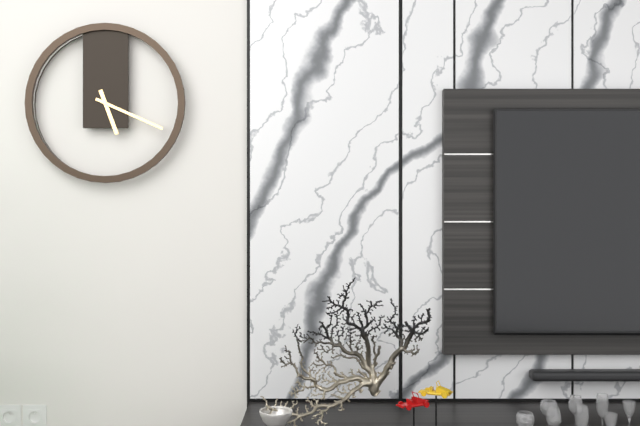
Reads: 5:19
